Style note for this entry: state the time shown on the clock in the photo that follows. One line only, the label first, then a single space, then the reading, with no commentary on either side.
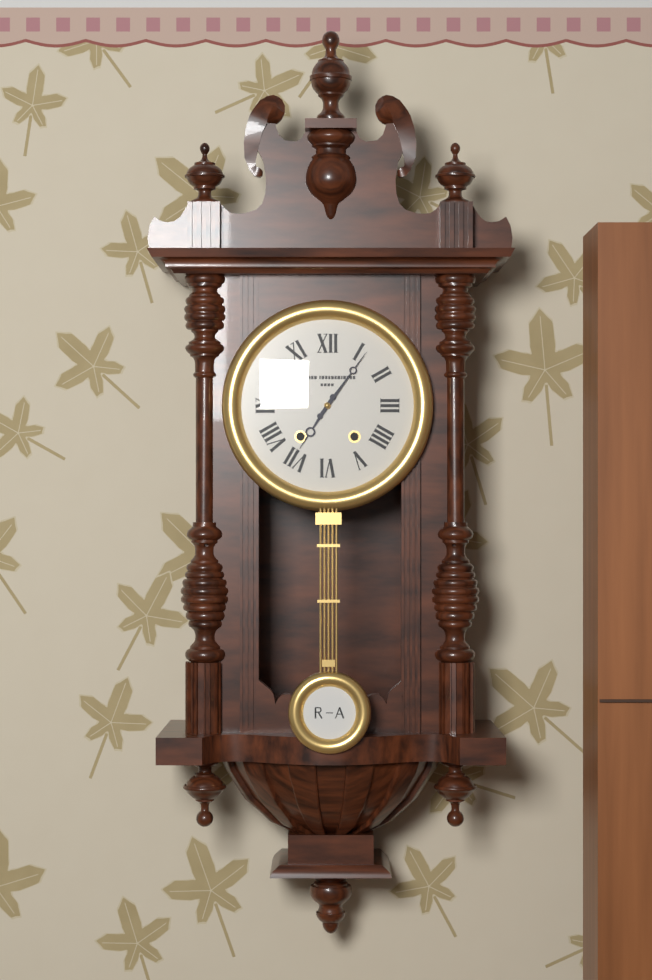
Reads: 7:06
